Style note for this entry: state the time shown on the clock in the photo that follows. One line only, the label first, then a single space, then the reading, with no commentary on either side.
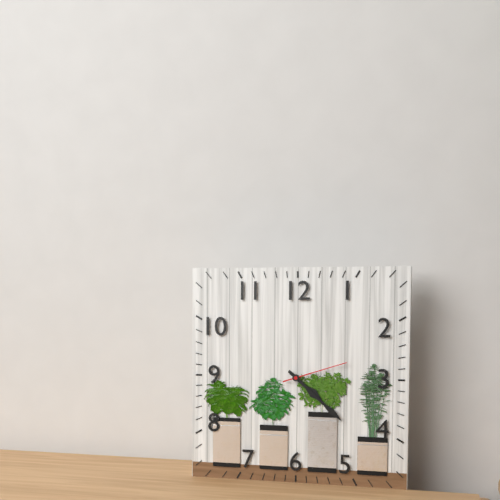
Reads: 4:22:12
